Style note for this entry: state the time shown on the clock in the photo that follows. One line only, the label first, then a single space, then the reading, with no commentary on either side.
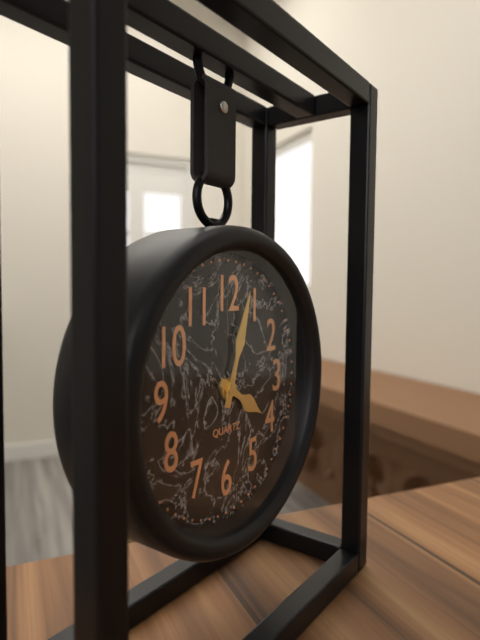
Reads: 4:03
